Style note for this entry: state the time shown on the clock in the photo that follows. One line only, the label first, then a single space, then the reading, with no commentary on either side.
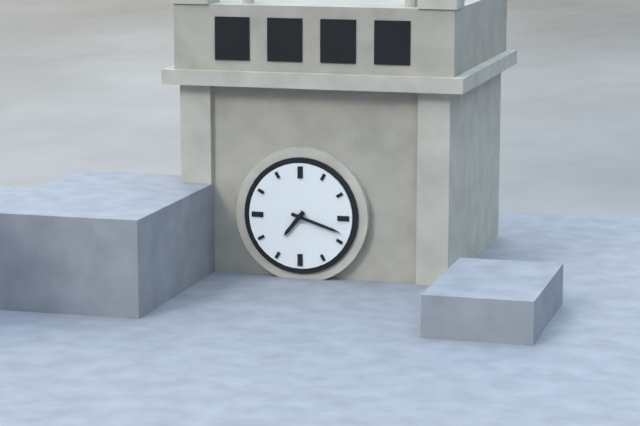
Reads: 7:18
